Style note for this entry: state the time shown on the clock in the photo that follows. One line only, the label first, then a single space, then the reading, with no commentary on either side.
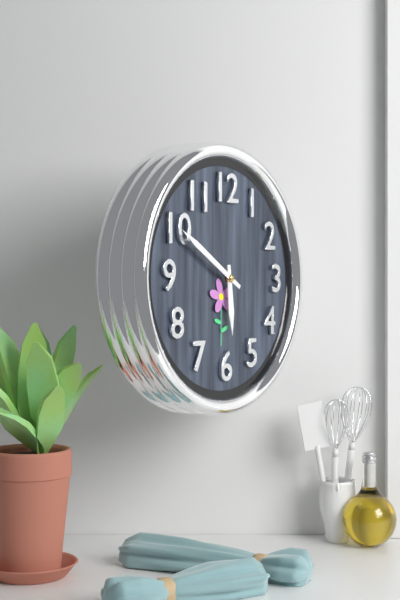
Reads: 5:50
